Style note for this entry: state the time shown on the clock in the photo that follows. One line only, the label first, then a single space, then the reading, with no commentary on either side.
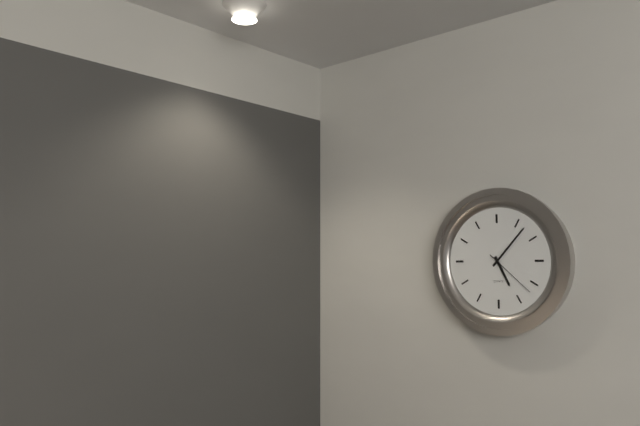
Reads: 5:07:22
